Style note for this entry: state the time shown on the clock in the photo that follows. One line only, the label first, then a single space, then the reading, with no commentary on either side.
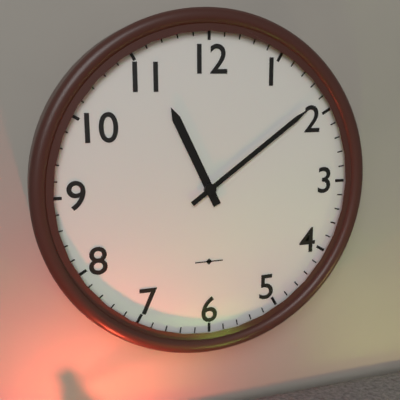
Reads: 11:09
